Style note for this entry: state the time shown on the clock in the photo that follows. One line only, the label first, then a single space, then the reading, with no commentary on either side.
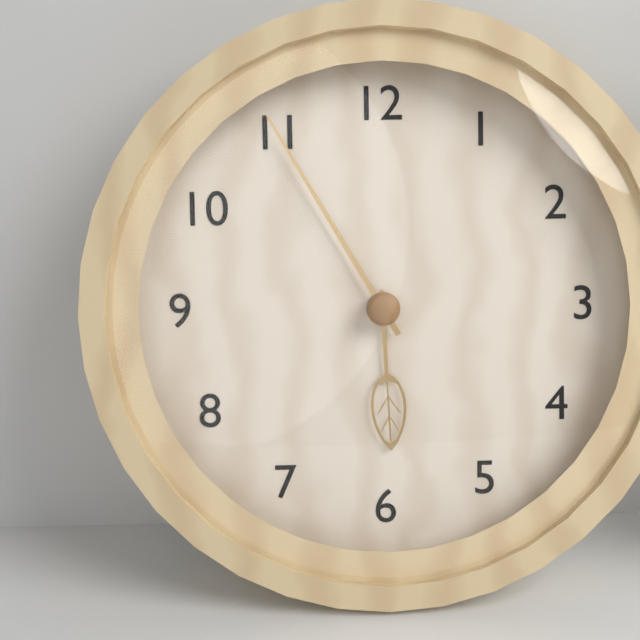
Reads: 5:55
